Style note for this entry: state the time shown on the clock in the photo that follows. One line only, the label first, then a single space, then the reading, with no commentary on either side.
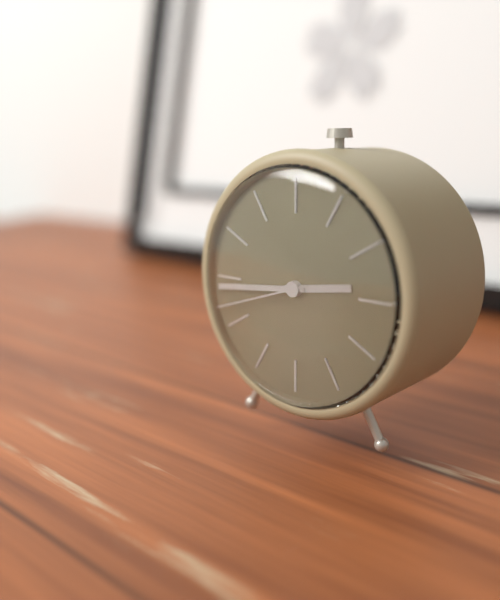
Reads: 2:44:42
